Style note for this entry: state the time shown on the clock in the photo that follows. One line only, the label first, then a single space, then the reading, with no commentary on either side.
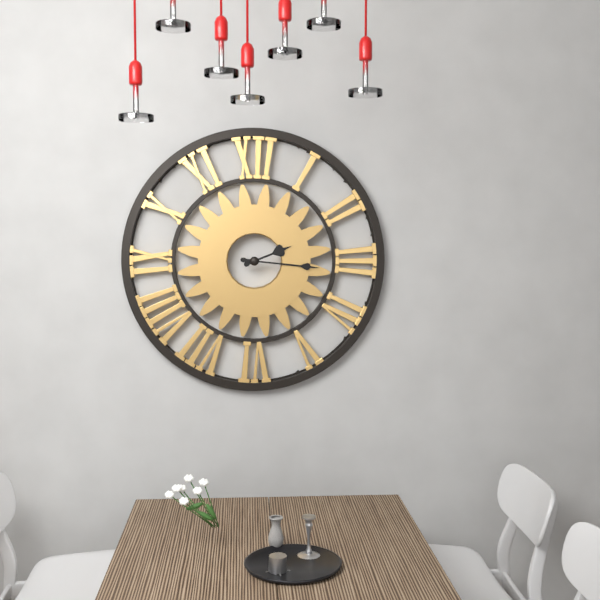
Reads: 2:16
